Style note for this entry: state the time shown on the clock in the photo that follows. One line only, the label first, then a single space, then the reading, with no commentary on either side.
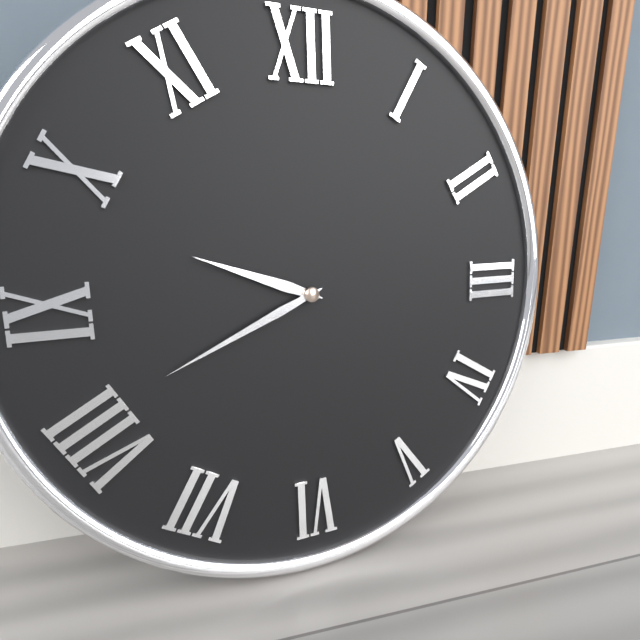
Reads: 9:41
